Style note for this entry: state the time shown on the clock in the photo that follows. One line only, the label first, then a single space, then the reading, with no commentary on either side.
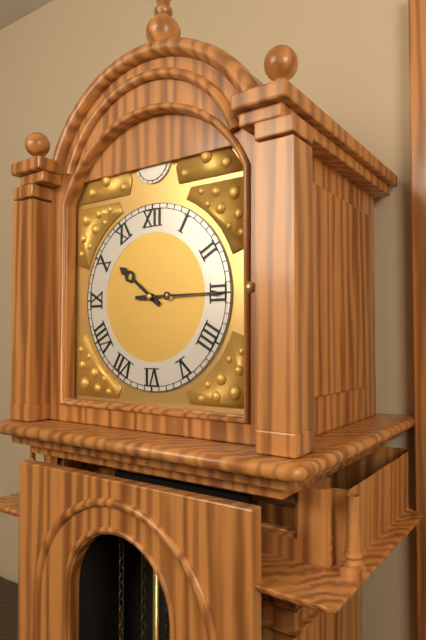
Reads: 10:15
